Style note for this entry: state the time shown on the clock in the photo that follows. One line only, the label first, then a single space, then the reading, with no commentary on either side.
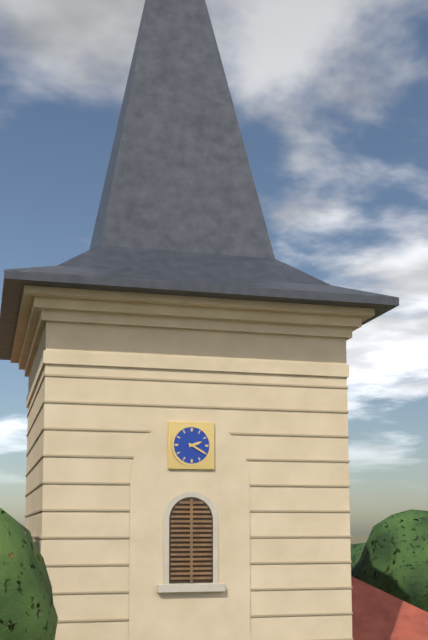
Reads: 2:20
